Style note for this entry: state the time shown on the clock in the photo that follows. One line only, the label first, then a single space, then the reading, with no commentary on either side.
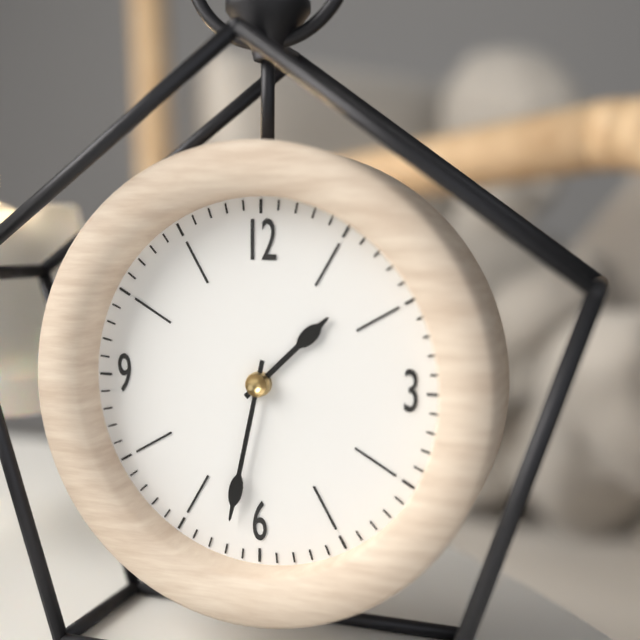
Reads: 1:32
